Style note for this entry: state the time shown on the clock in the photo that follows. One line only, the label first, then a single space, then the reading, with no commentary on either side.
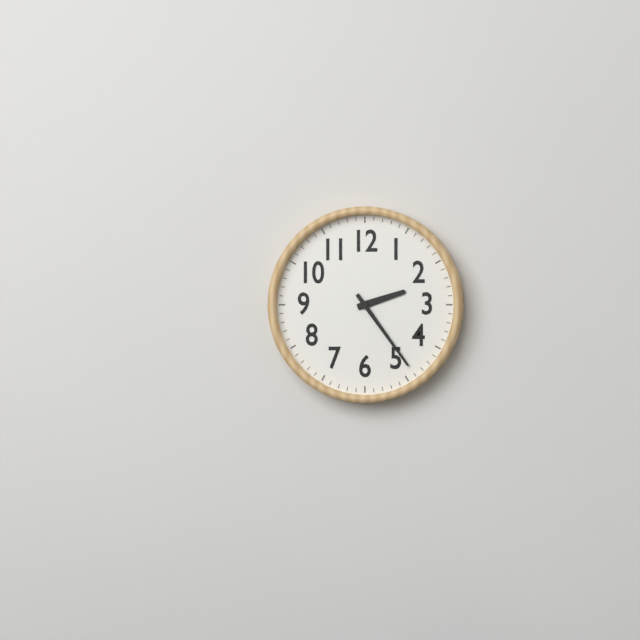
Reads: 2:24
